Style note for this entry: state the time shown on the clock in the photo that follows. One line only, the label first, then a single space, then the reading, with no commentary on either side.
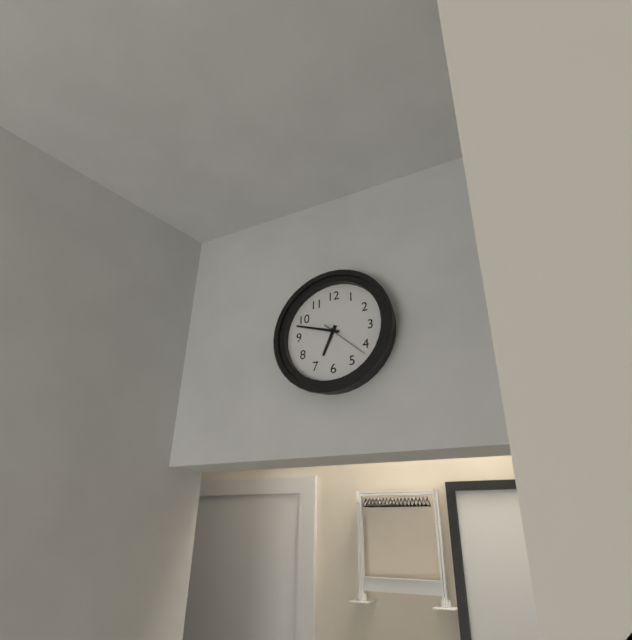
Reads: 6:48:22
